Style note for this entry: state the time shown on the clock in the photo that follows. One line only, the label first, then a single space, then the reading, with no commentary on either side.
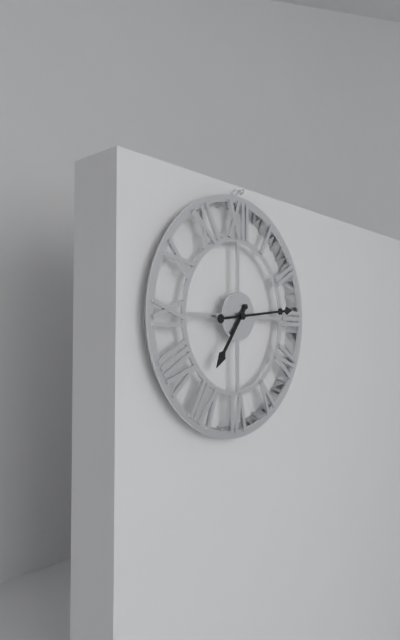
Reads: 7:14
